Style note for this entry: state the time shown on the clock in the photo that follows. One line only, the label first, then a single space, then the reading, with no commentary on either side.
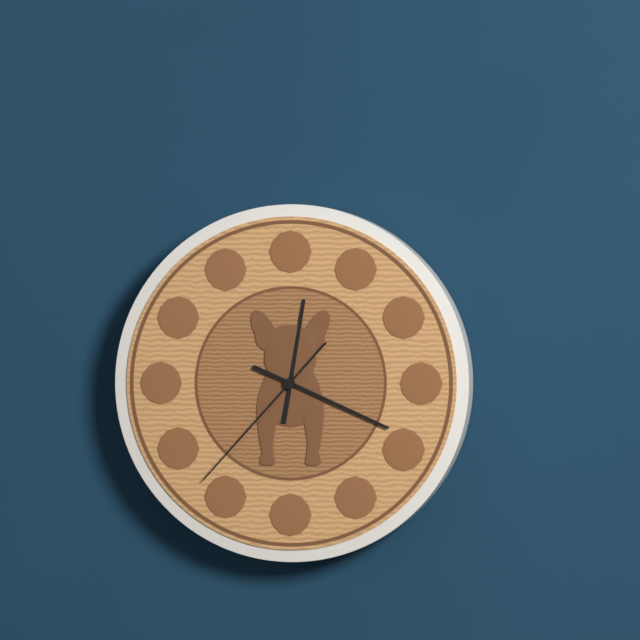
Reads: 12:19:37
